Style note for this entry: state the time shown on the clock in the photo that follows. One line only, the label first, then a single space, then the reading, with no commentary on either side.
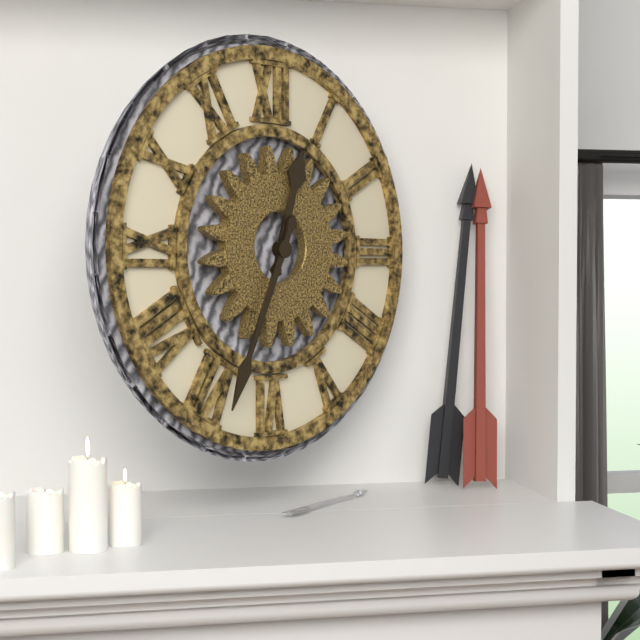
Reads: 12:34
